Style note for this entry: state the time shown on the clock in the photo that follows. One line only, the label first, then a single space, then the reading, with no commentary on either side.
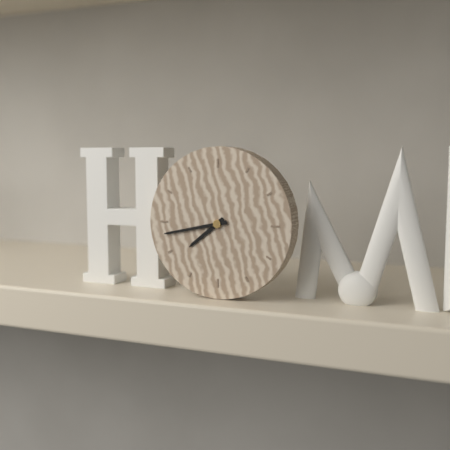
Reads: 7:43
